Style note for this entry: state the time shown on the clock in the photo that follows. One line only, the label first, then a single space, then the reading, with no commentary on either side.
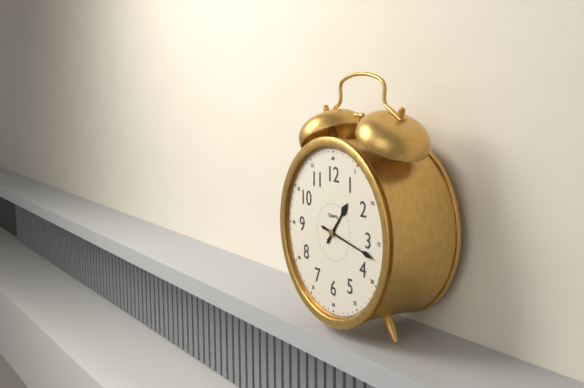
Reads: 1:17
